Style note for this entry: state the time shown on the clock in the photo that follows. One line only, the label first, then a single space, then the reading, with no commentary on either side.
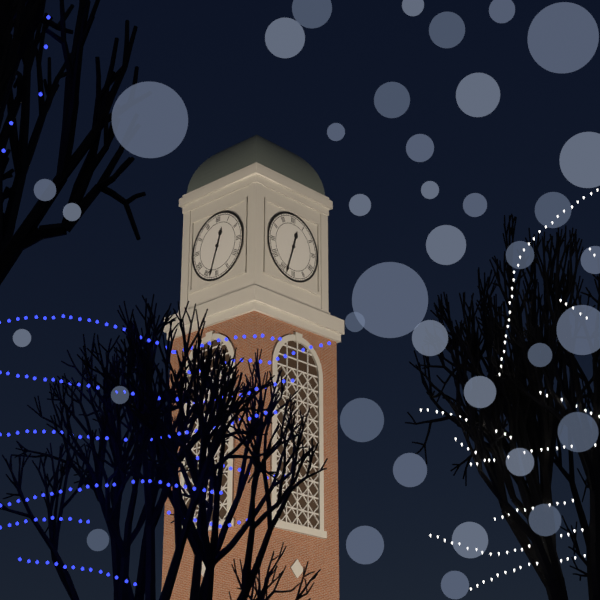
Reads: 12:33
